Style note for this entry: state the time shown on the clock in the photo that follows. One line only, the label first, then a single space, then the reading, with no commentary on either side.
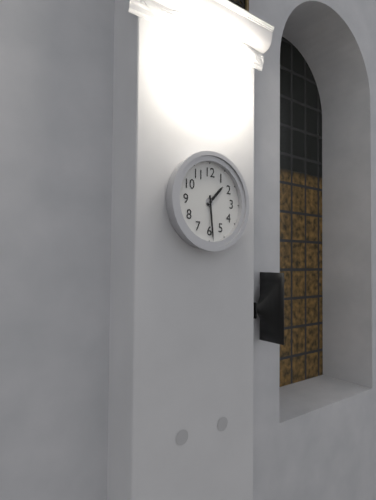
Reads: 1:29
